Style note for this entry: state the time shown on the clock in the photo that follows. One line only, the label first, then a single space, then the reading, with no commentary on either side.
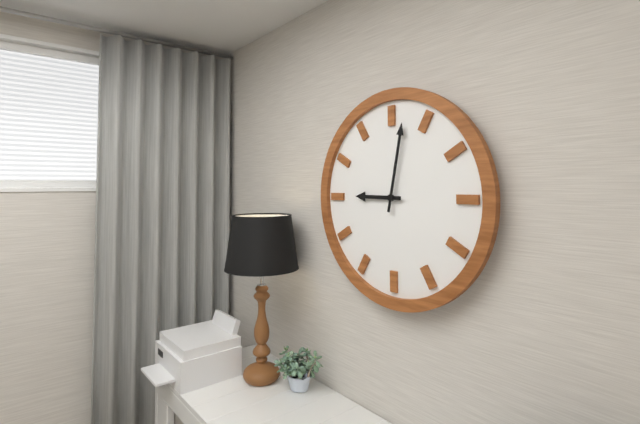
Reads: 9:02
